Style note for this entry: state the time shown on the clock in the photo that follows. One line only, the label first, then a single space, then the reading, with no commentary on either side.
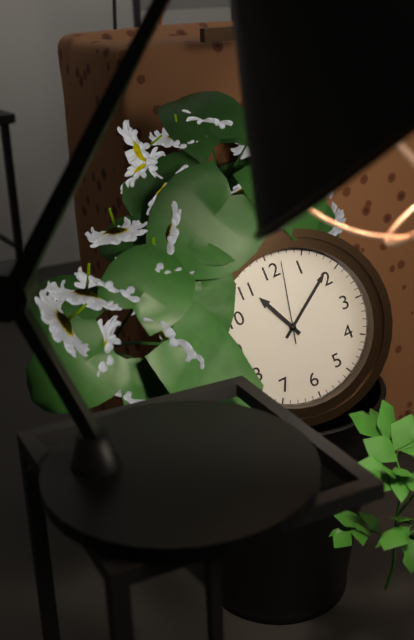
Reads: 11:09:02
